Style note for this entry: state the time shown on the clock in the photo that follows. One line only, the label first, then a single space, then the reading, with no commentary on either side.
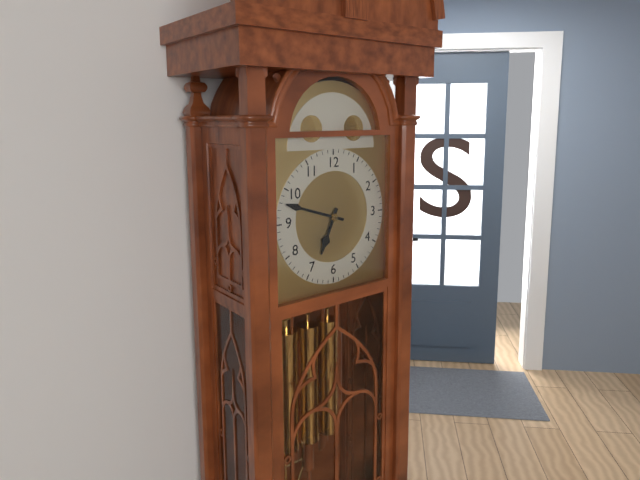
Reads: 6:48
